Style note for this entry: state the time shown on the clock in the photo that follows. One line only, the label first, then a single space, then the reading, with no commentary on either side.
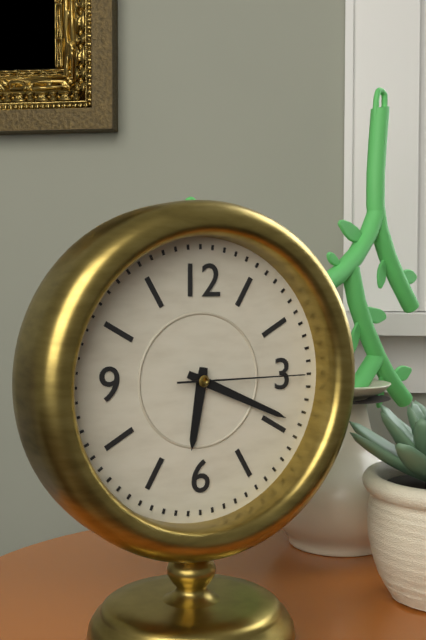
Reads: 6:19:15
